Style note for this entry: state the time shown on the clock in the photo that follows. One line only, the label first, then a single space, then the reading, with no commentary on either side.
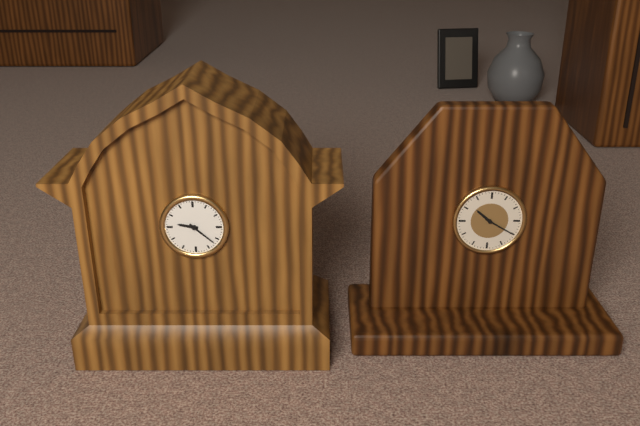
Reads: 9:22
